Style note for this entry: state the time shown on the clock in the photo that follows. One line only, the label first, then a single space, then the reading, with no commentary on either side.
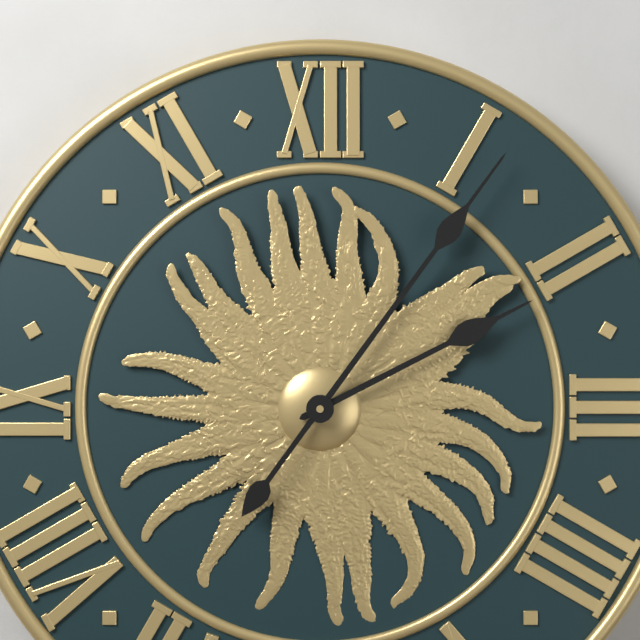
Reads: 2:06
